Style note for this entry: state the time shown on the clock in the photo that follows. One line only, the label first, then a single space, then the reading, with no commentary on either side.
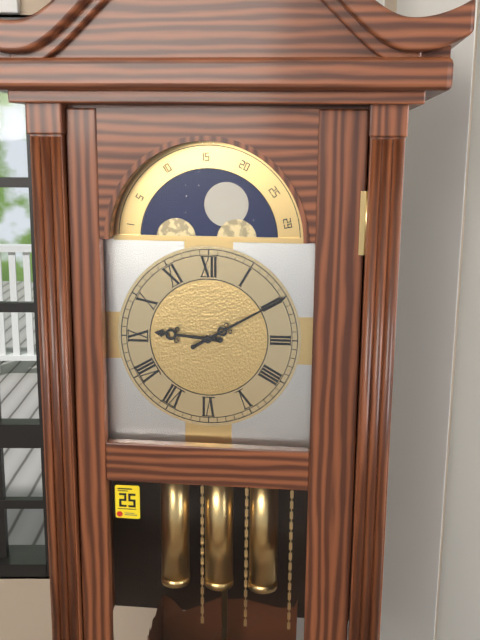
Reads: 9:10
